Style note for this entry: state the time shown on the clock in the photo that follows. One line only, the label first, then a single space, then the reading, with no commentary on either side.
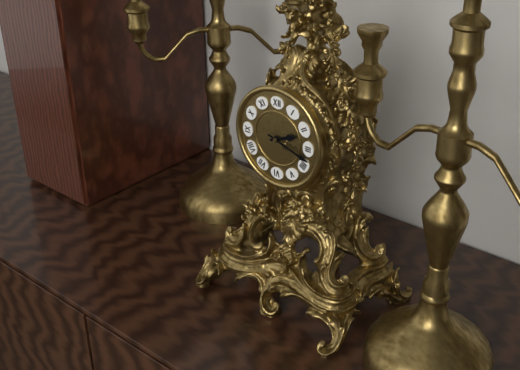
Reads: 2:18
